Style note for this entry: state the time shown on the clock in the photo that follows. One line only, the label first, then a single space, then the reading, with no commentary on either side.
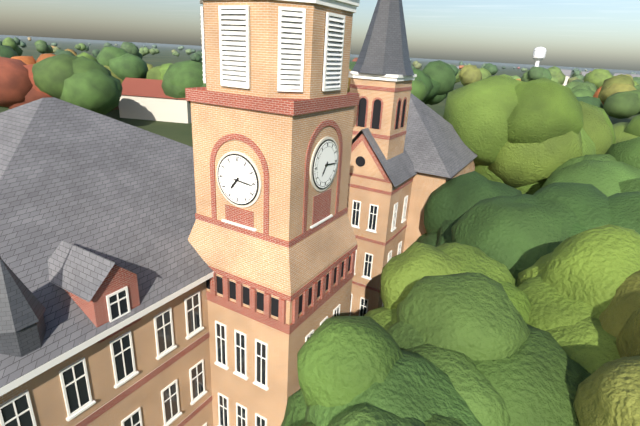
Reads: 7:16
